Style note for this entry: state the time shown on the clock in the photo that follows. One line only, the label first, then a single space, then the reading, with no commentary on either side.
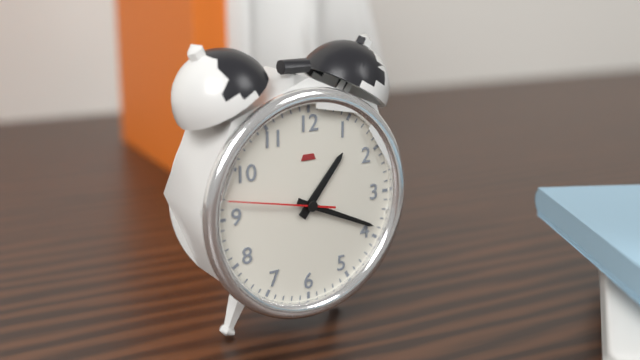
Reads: 1:19:47
